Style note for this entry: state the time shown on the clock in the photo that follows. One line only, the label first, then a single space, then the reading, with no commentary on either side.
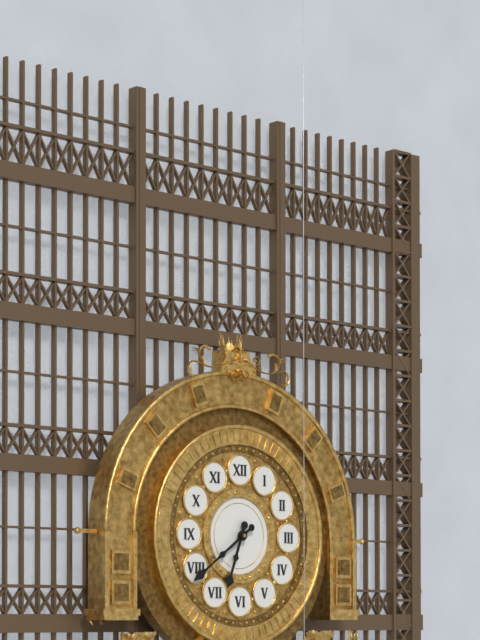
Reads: 6:39
